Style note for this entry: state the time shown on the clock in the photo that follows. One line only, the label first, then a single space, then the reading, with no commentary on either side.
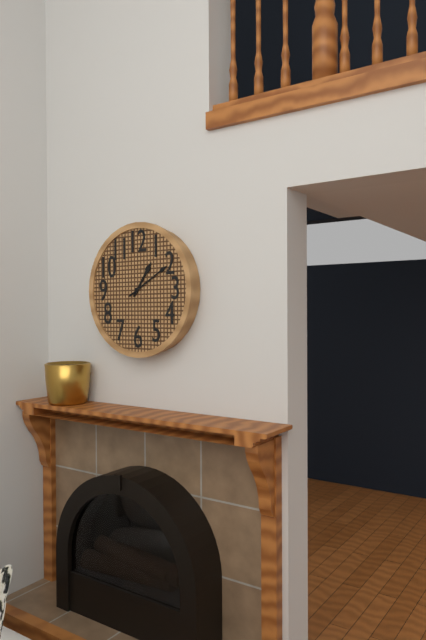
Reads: 1:10
